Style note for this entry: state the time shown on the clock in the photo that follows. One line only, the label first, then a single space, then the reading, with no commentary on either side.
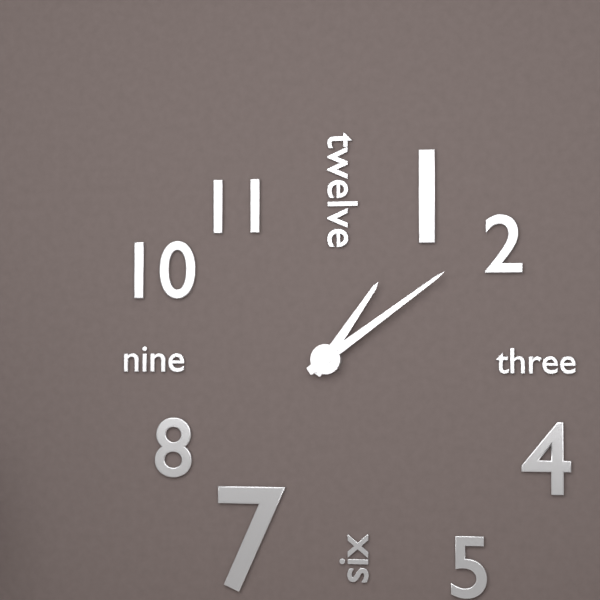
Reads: 1:09
